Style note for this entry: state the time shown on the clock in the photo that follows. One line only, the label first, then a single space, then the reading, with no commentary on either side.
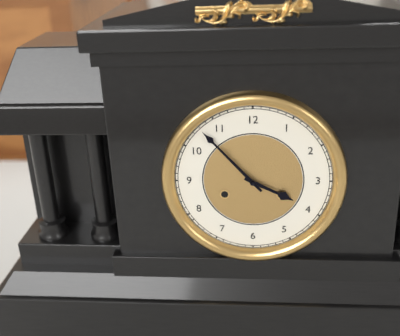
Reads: 3:53
